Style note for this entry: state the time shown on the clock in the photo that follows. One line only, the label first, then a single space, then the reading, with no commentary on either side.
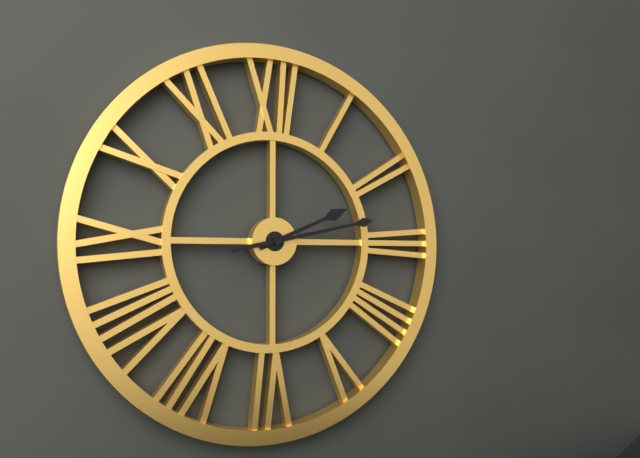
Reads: 2:13
